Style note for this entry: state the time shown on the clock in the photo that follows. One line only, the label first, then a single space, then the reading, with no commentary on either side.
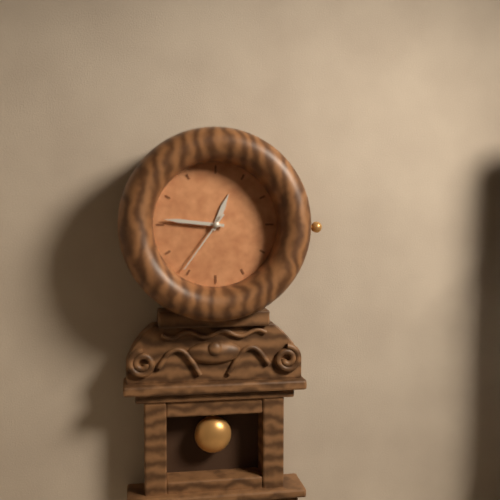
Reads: 12:46:36
